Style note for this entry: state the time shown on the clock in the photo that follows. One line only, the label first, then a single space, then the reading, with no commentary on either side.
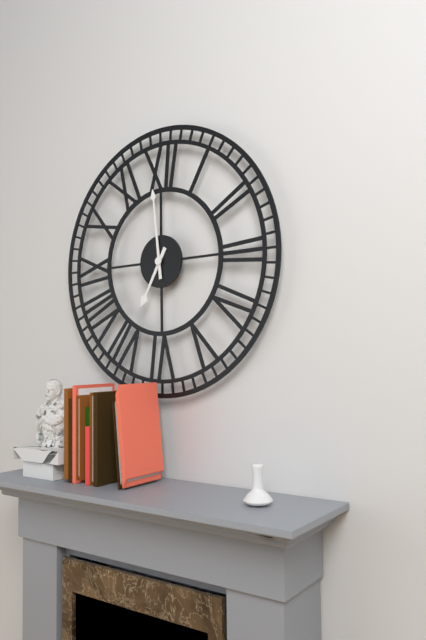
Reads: 6:59
